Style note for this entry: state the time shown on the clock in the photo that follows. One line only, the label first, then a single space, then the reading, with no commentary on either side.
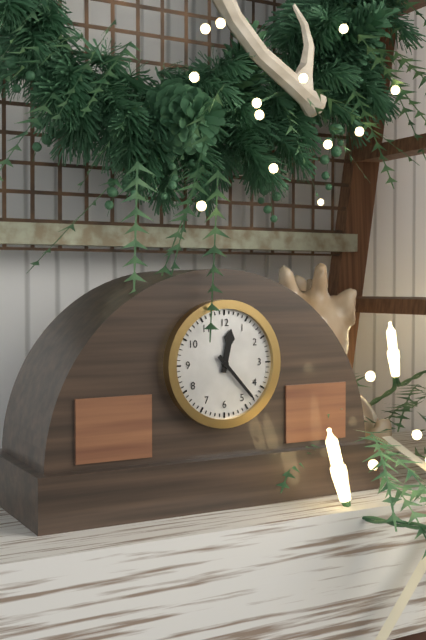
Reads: 12:23
